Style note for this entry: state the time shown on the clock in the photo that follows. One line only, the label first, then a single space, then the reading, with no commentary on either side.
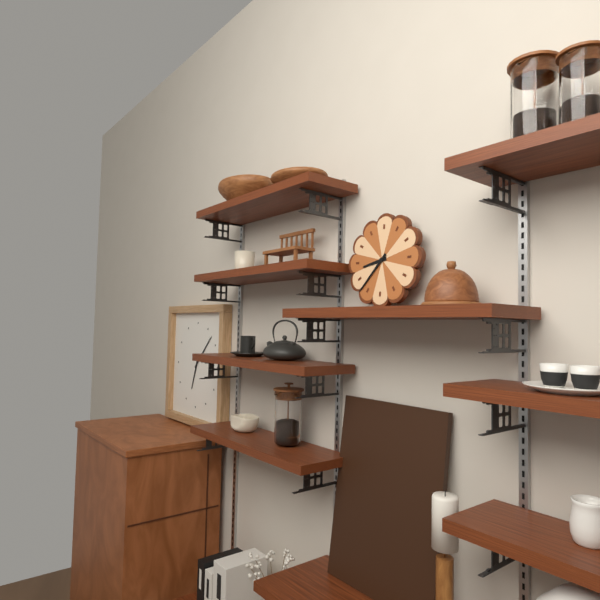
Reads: 8:37
